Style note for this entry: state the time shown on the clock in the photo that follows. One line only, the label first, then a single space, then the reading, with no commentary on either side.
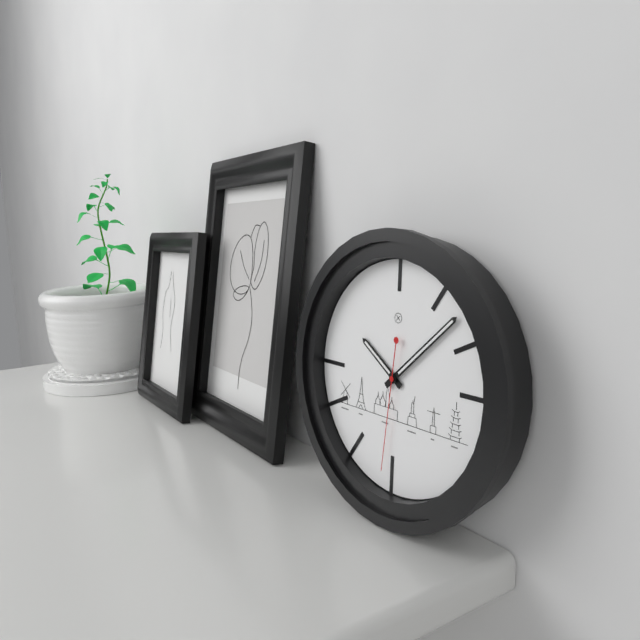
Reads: 10:08:31
